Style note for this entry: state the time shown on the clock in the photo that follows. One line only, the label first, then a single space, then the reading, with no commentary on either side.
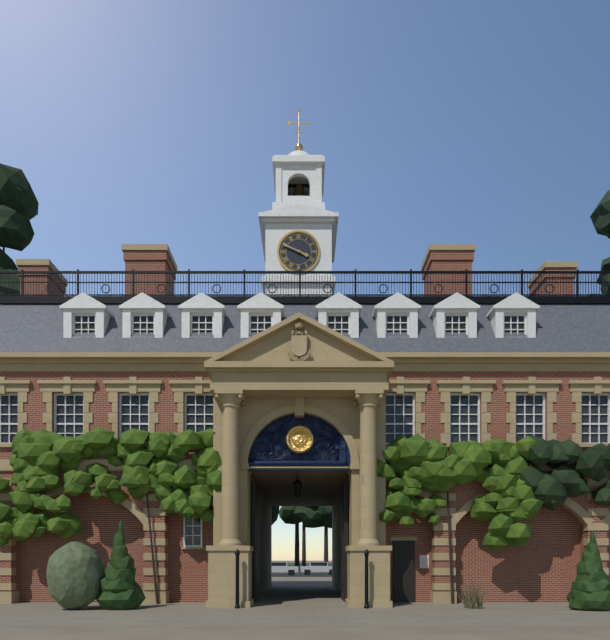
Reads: 3:49
